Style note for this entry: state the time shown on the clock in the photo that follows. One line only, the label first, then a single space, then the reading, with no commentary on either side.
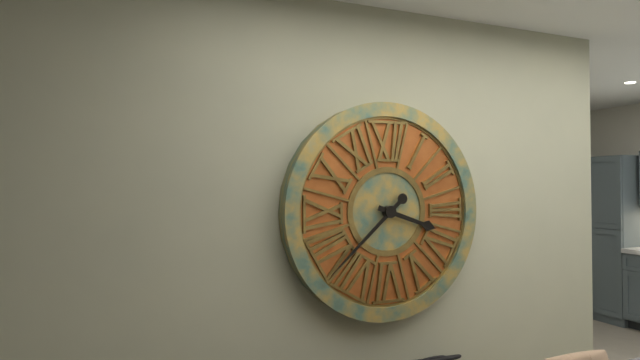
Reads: 3:38
